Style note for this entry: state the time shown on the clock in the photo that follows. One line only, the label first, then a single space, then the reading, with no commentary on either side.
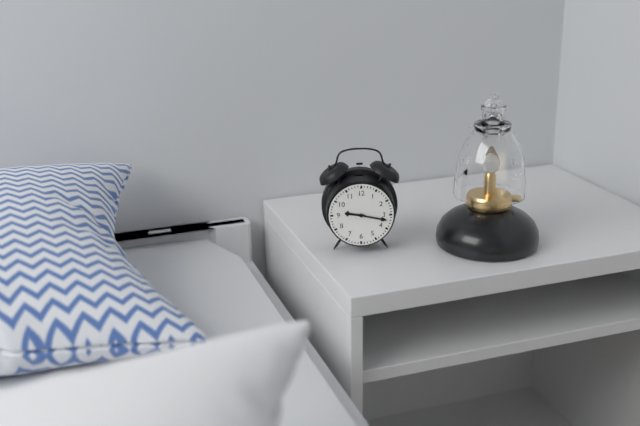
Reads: 9:17
